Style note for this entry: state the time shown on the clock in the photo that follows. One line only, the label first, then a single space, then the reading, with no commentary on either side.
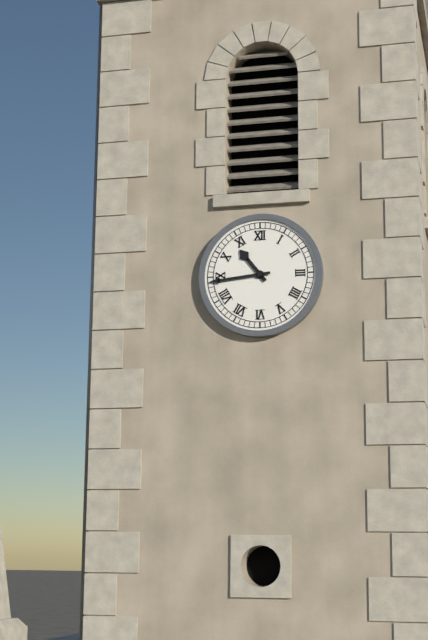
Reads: 10:44
